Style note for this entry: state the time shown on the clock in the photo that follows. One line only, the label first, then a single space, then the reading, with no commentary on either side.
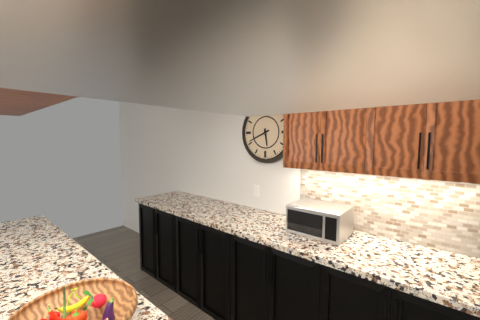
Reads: 5:41
